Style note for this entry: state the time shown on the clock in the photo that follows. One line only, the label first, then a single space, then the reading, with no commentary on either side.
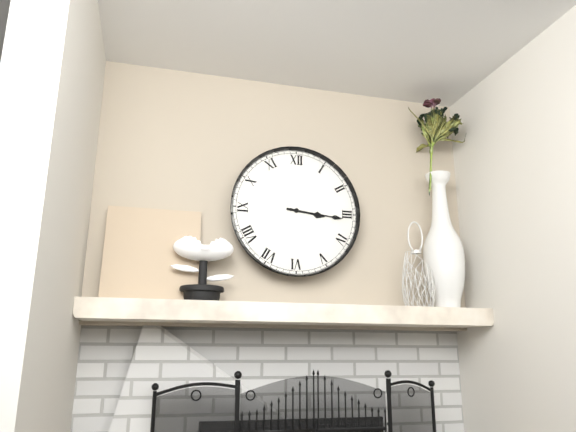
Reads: 3:16
